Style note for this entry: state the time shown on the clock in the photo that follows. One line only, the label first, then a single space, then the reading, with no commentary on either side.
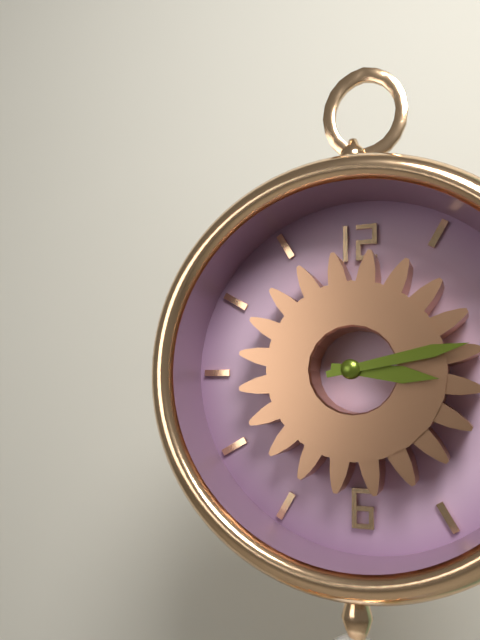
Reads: 3:13
